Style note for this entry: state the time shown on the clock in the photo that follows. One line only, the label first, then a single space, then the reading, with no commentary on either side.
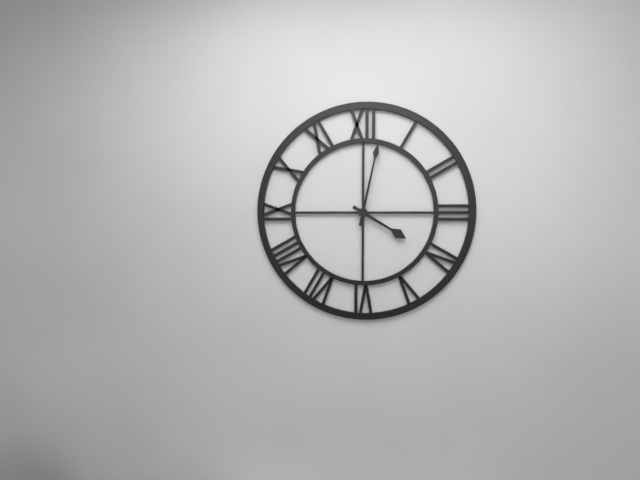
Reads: 4:02
